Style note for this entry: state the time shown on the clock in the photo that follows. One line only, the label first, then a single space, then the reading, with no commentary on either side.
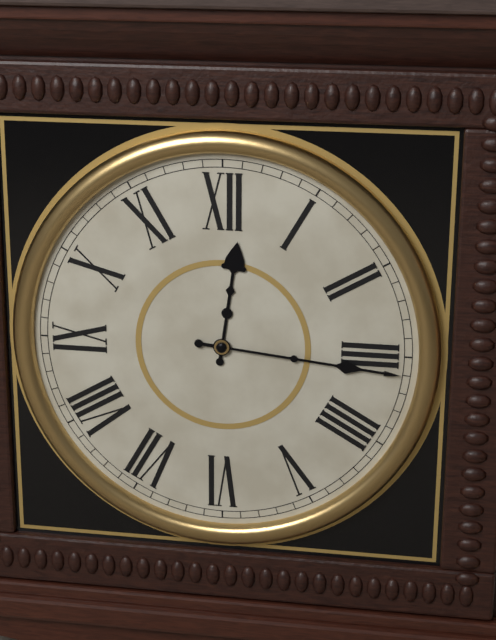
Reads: 12:16
